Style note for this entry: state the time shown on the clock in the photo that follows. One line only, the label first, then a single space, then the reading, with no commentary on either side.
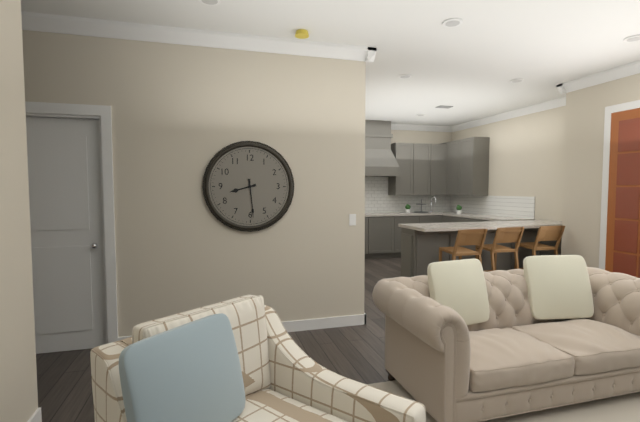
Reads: 8:29
